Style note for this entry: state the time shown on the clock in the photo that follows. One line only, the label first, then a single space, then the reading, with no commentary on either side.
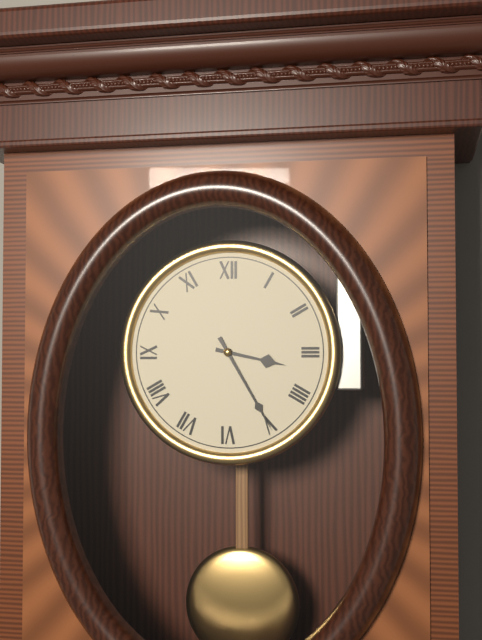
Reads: 3:25
